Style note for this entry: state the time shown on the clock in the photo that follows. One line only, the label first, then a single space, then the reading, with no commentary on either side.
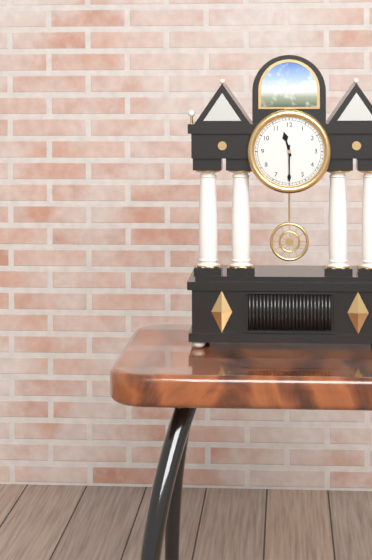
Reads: 11:30
